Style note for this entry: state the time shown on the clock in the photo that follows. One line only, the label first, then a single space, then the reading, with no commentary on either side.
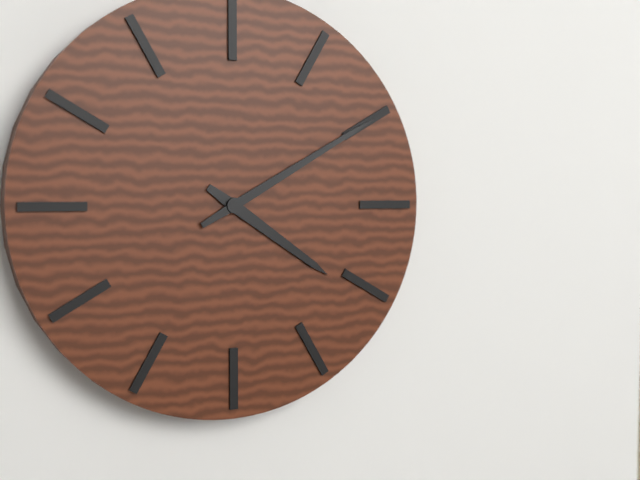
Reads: 4:10
